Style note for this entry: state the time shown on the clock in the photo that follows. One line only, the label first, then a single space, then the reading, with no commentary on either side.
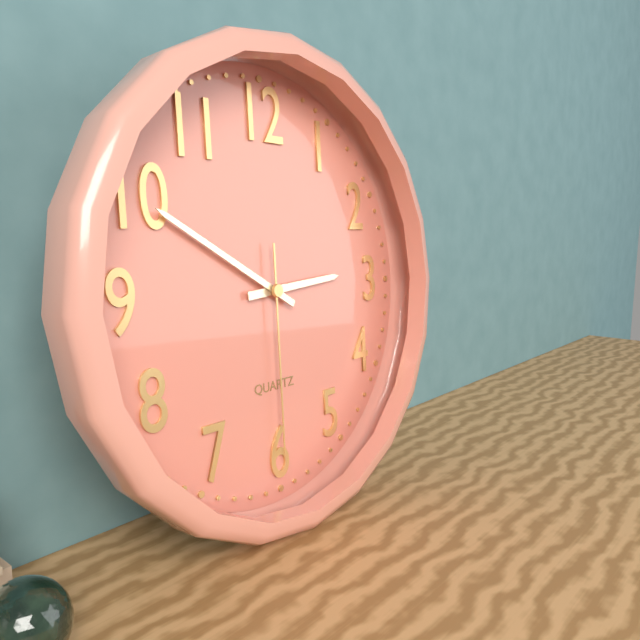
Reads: 2:50:30
